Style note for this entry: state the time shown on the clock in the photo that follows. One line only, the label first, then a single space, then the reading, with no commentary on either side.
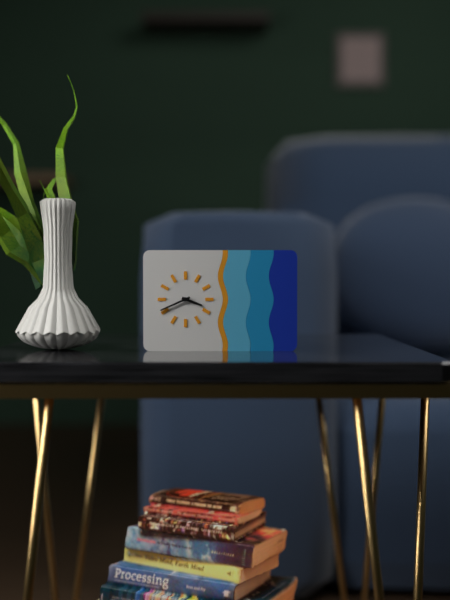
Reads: 3:41
